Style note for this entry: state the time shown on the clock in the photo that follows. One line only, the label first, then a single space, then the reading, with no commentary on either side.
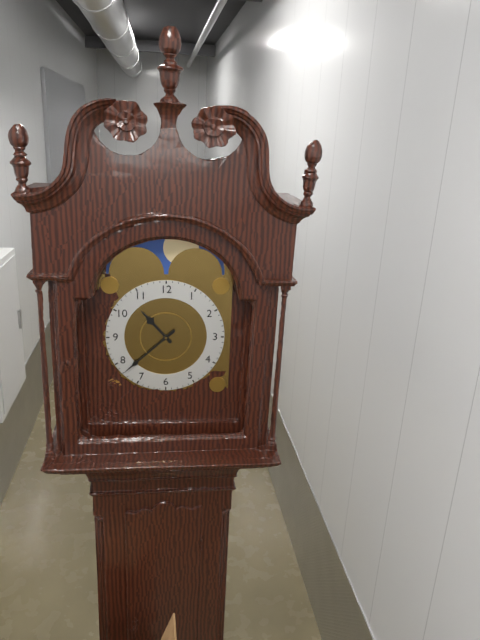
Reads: 10:38
